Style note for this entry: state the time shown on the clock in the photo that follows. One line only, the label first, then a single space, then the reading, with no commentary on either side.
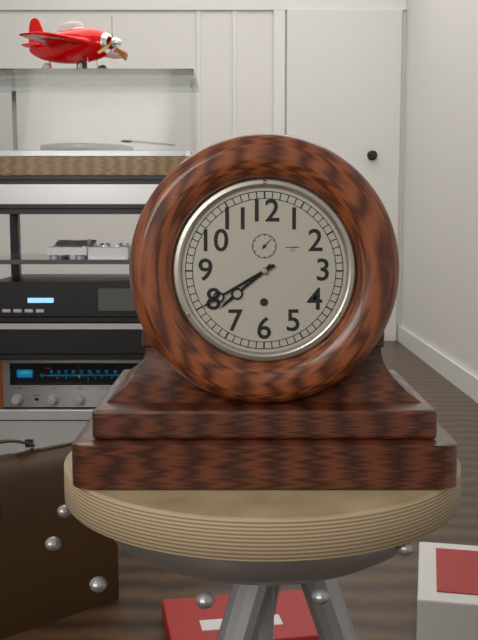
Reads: 7:40
